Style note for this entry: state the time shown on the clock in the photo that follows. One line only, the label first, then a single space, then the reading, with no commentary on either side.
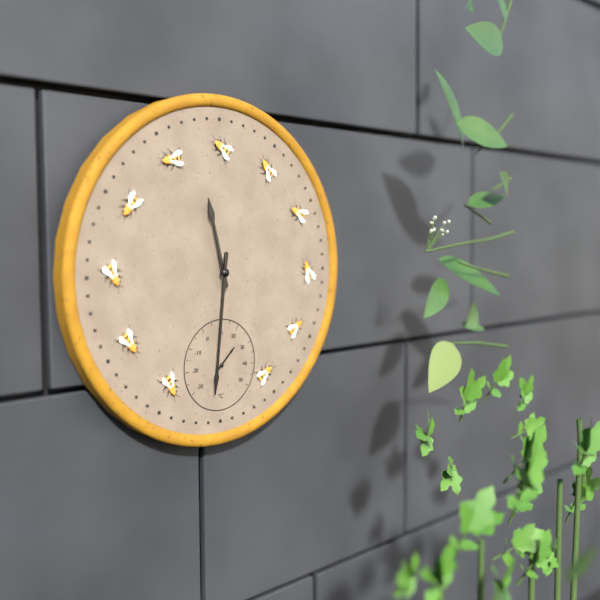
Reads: 11:31
